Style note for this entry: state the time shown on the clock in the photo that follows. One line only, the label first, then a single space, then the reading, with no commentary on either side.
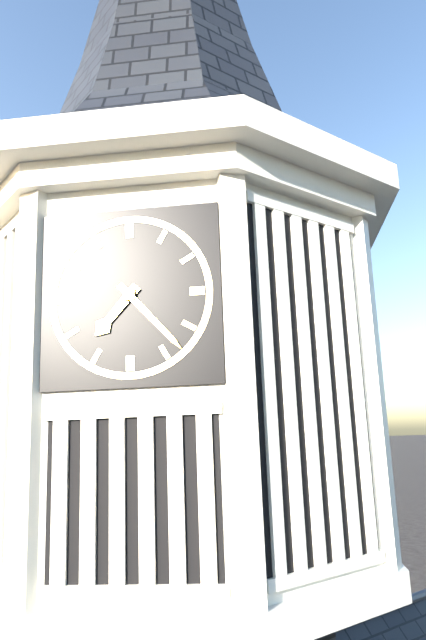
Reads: 7:23
